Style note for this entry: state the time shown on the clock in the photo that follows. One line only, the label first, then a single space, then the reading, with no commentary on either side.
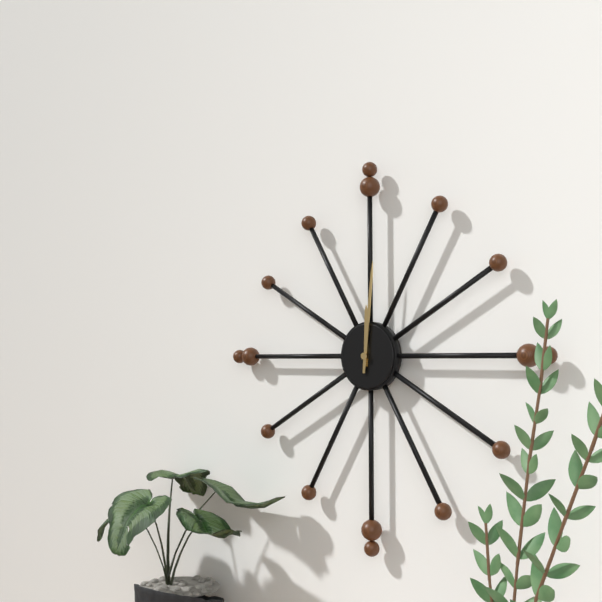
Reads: 12:01
